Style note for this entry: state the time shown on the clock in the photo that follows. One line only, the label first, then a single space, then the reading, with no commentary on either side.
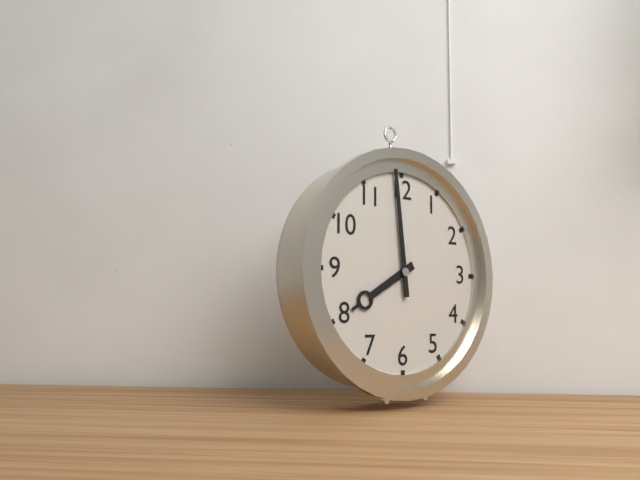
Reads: 7:59
